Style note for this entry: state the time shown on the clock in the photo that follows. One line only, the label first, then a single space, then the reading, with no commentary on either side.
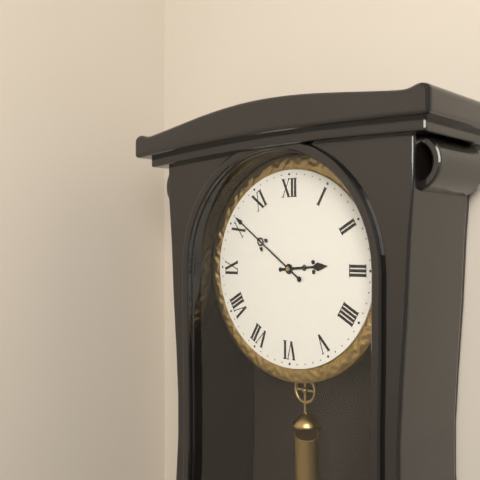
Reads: 2:51
